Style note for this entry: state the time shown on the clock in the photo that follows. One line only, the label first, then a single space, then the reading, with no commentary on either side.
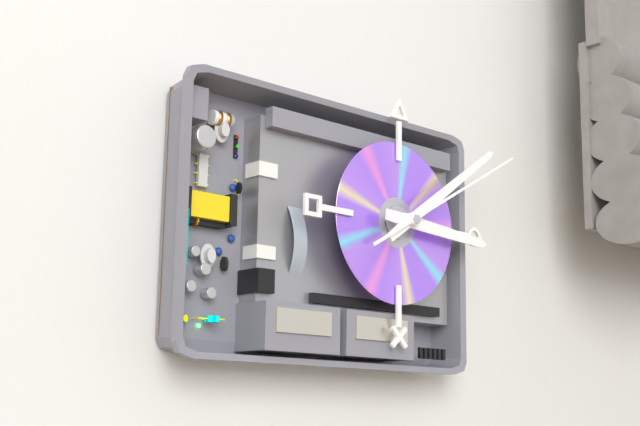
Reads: 3:09:10
